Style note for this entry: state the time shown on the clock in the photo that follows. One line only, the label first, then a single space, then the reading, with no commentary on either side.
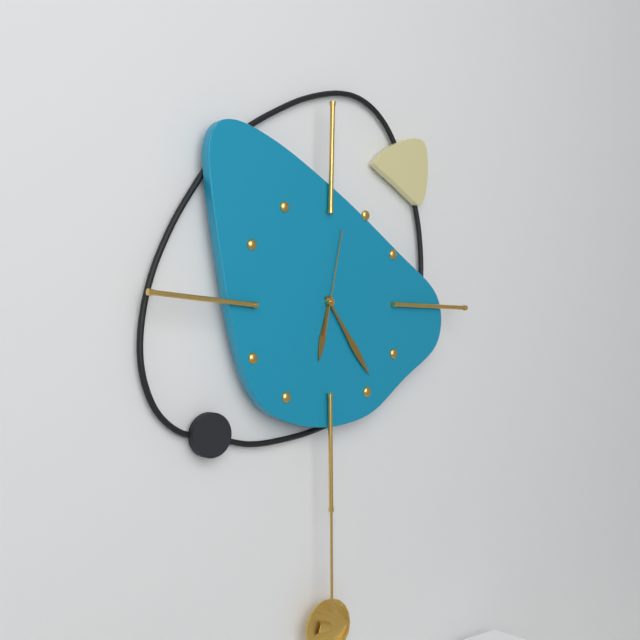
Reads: 6:24:02
